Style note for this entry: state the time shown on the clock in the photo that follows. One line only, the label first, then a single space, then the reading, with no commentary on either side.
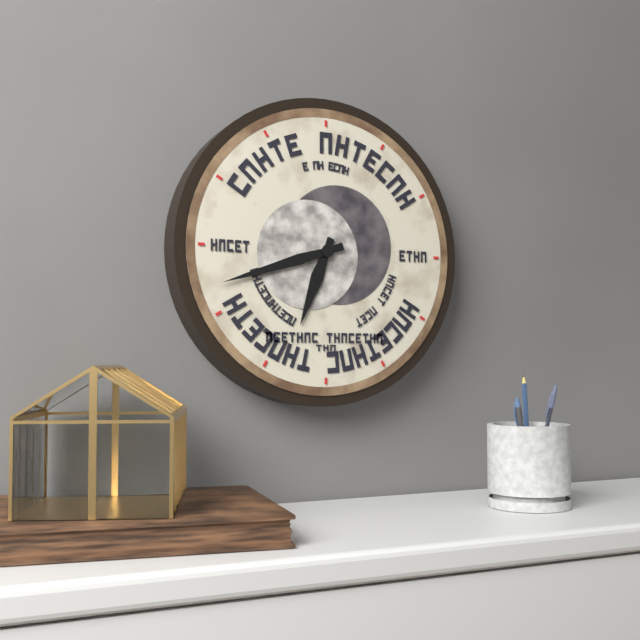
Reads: 6:42
